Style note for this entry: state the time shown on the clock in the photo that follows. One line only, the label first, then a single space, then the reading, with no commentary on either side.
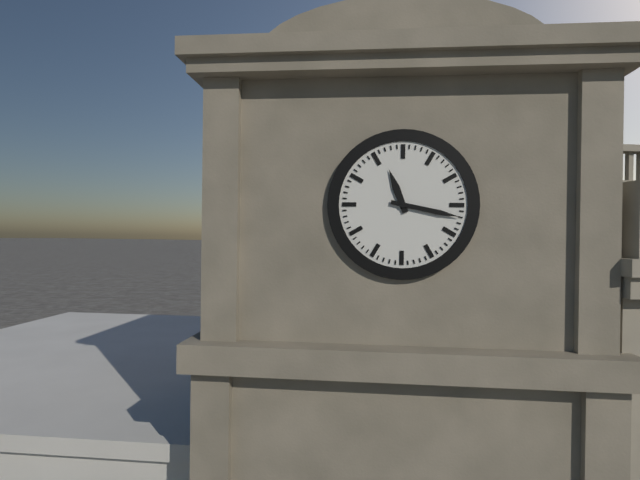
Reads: 11:17
